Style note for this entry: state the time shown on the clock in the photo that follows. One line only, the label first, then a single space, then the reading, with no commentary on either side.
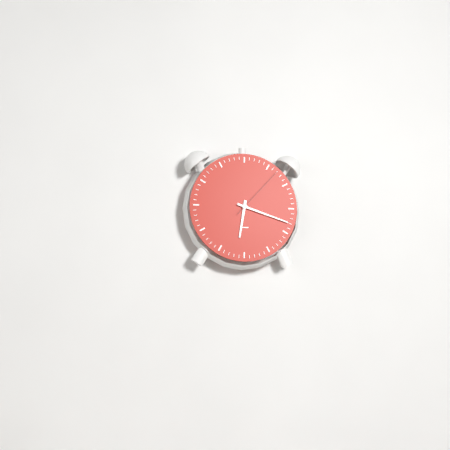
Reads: 6:18:07
